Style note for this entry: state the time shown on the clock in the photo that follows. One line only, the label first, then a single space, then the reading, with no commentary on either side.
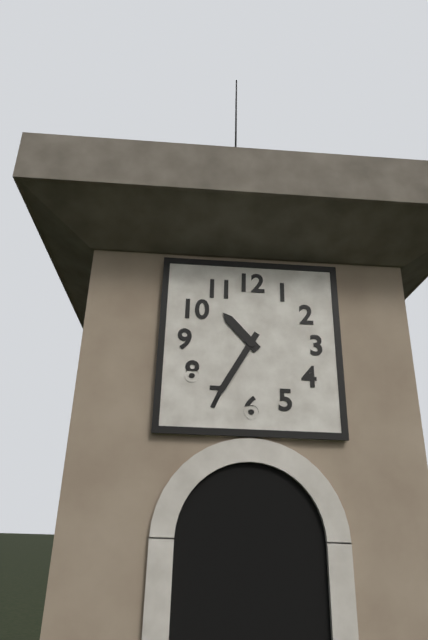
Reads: 10:35
